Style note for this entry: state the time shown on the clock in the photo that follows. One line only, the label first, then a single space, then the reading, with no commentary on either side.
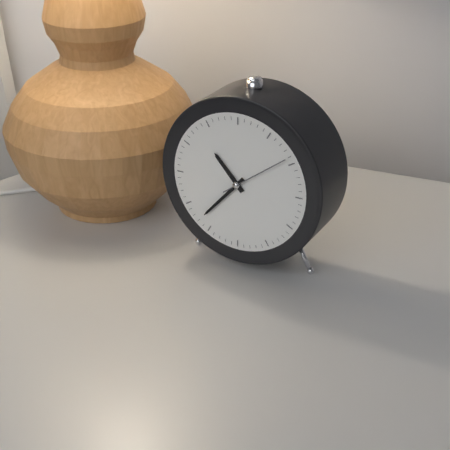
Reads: 10:37:09
